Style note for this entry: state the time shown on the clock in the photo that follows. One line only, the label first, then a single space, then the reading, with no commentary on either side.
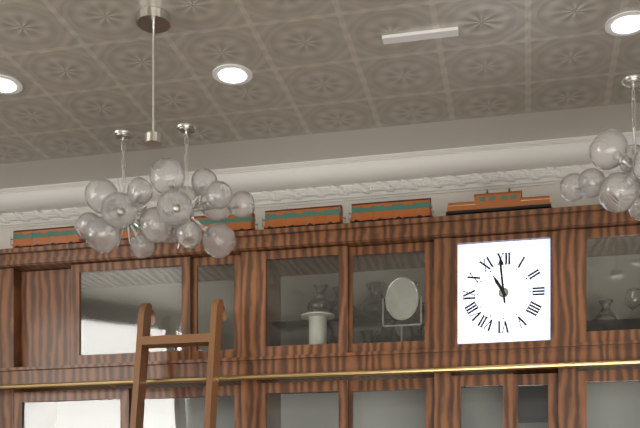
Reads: 10:59
